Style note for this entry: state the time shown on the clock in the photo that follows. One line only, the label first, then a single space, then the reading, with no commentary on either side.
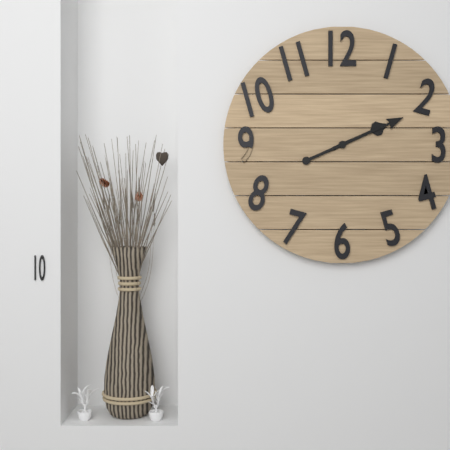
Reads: 2:11
